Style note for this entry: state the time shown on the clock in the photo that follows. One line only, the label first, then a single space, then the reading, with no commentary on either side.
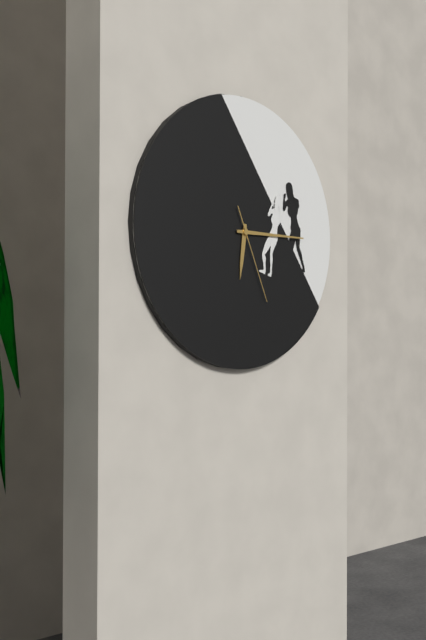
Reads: 6:15:26
